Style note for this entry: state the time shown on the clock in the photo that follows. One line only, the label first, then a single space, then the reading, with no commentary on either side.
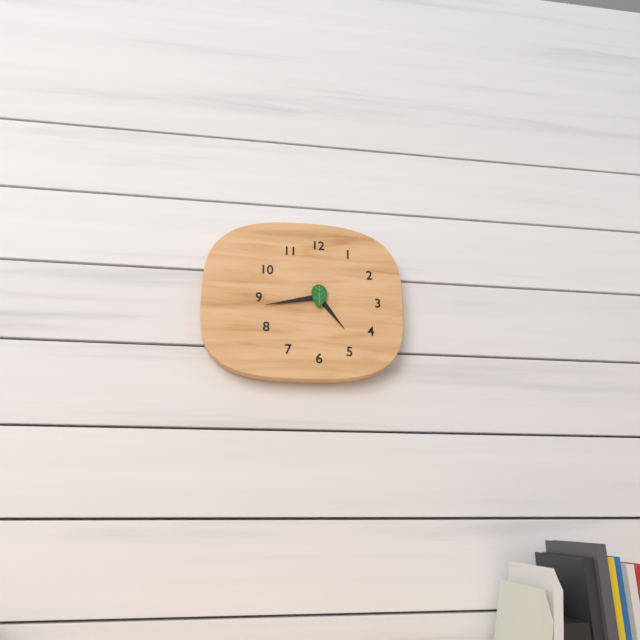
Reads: 4:43
